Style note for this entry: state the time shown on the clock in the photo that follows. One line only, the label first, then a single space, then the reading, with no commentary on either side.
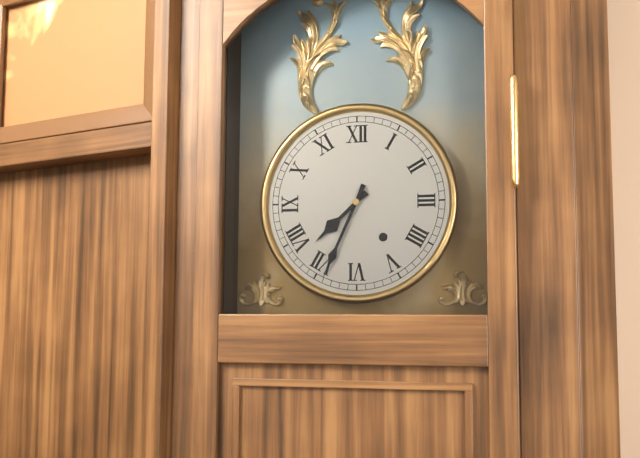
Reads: 7:34
